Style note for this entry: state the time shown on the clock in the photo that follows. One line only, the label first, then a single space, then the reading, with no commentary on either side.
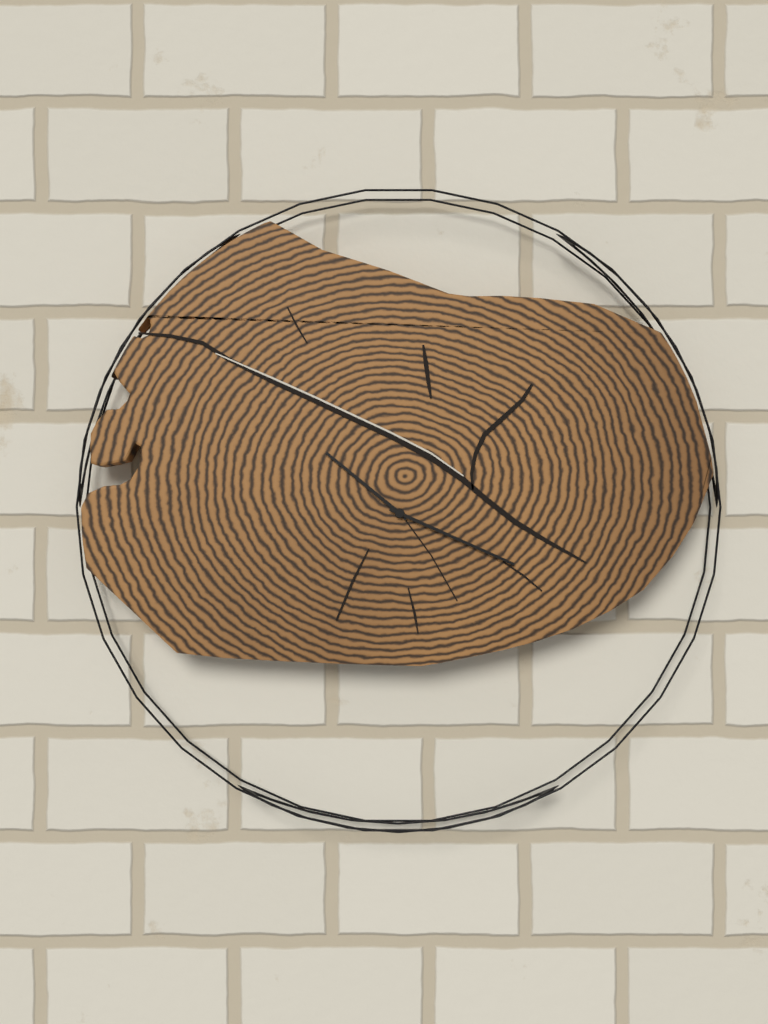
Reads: 10:19
